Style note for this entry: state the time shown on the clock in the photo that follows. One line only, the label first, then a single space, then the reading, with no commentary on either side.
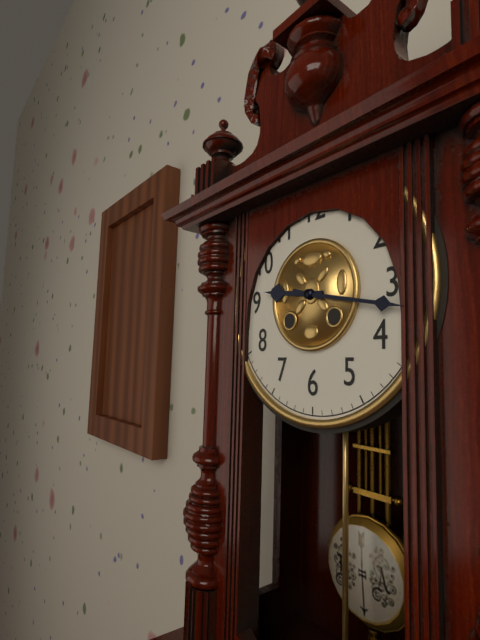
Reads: 9:17
